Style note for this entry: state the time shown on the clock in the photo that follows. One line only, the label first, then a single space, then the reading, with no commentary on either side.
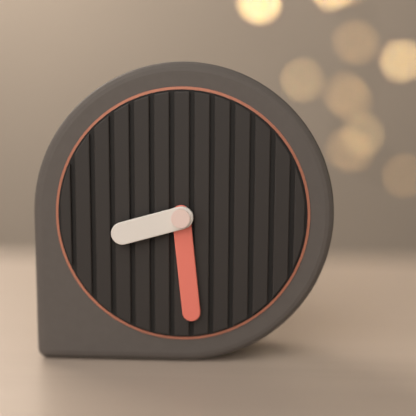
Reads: 8:29
